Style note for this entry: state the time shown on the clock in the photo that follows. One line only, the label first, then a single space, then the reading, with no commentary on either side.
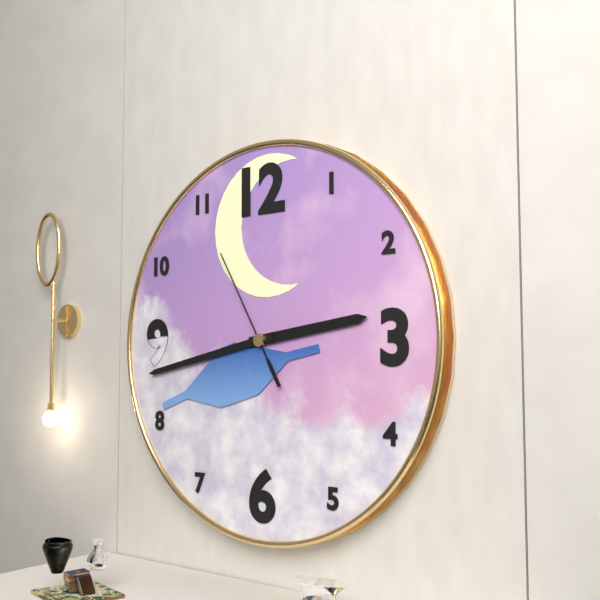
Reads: 2:43:55
